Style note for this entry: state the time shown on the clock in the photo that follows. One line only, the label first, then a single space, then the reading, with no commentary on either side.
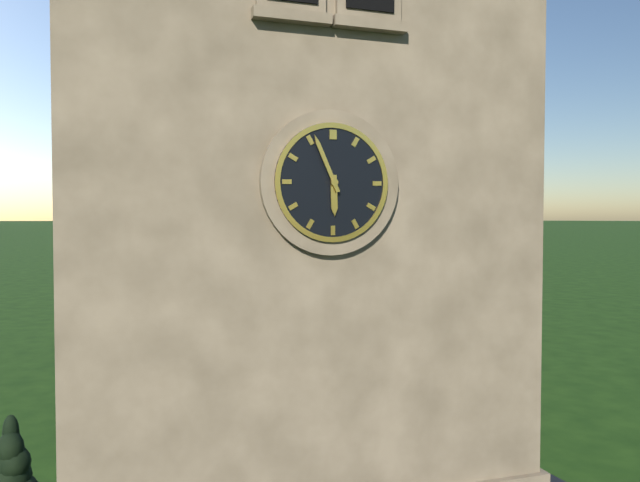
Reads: 5:56
